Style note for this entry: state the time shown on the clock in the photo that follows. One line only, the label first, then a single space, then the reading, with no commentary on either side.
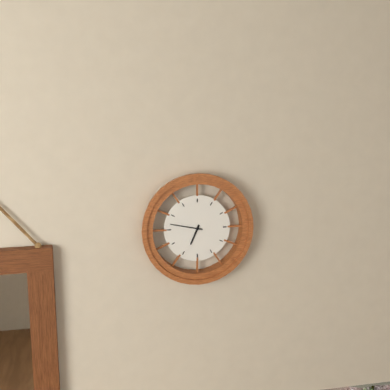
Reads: 6:47
